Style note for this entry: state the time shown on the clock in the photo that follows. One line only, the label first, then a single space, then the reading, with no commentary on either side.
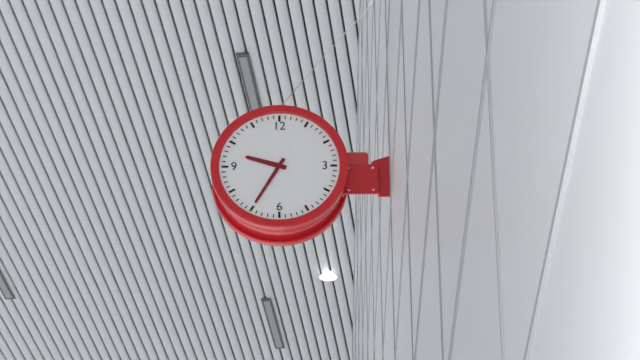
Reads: 9:35
